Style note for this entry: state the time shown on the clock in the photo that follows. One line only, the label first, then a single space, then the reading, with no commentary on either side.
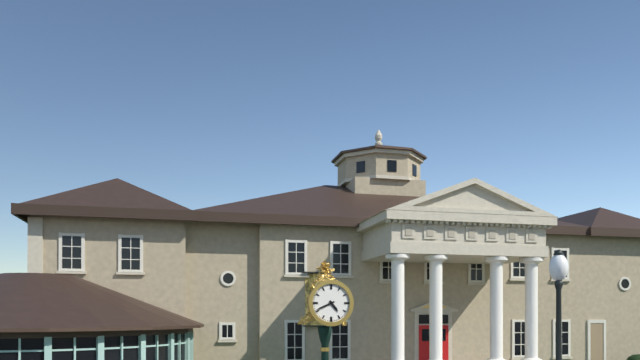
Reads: 4:41
